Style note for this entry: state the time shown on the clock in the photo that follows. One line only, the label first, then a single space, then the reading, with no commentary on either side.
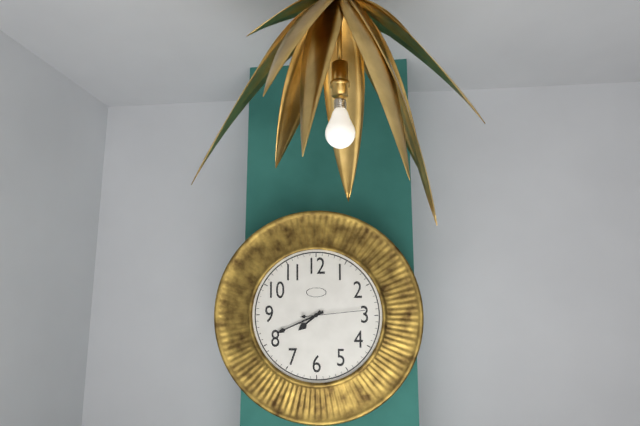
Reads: 7:41:14
